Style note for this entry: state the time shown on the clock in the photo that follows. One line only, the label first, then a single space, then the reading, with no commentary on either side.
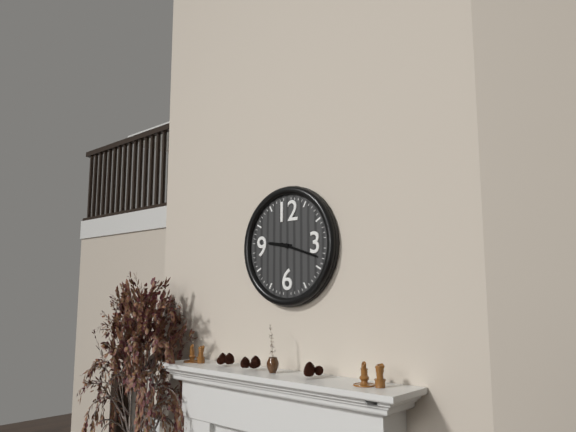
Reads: 9:18
